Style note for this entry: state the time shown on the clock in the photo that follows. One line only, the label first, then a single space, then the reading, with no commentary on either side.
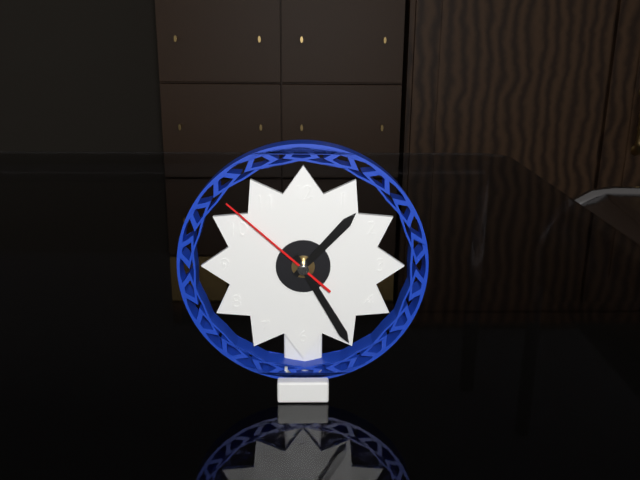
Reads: 1:25:52
